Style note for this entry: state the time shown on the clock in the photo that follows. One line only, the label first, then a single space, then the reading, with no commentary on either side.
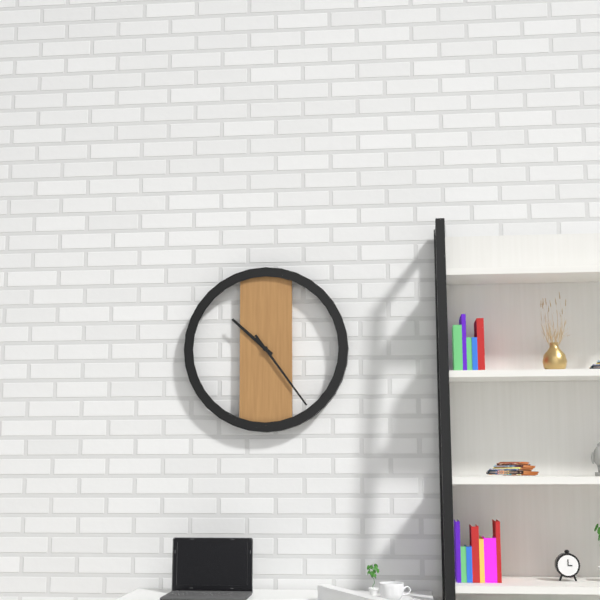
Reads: 10:24
